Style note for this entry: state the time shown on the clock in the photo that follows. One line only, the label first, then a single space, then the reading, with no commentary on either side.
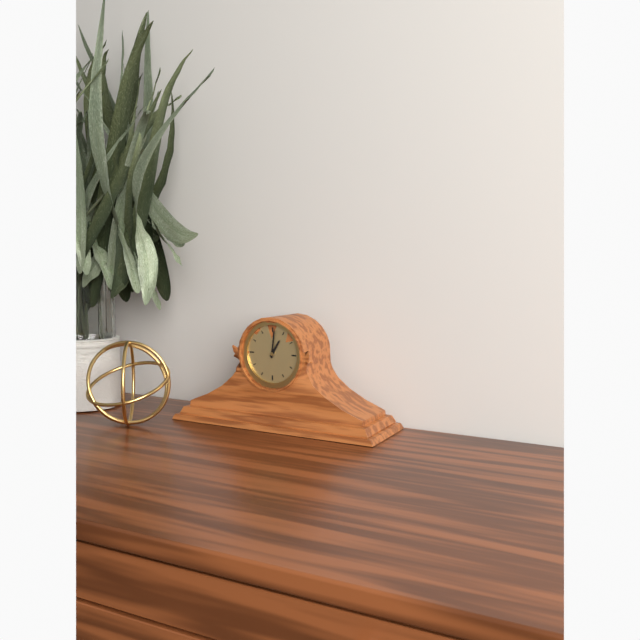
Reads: 1:01
